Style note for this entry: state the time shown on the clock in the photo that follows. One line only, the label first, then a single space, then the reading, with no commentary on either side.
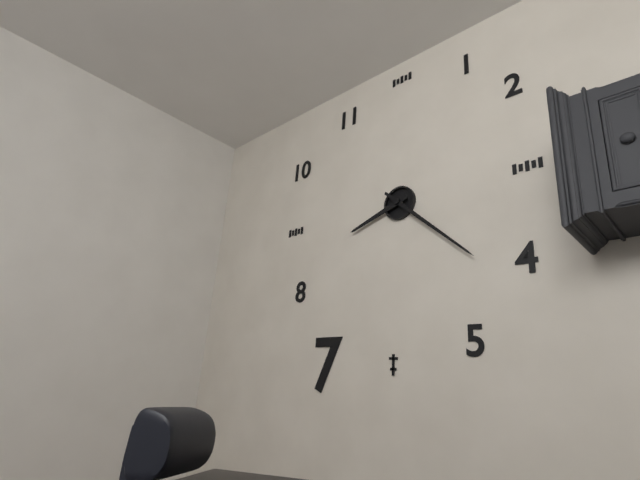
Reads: 8:22
